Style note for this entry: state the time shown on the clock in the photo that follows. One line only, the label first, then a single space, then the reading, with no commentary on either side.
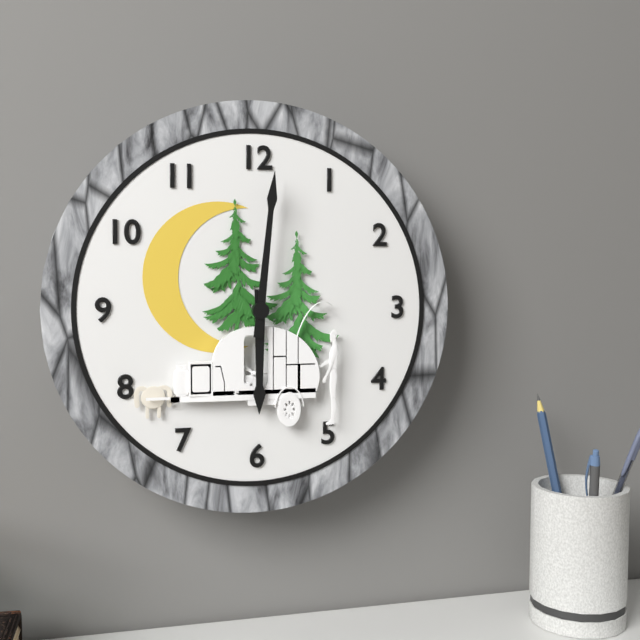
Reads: 6:01
